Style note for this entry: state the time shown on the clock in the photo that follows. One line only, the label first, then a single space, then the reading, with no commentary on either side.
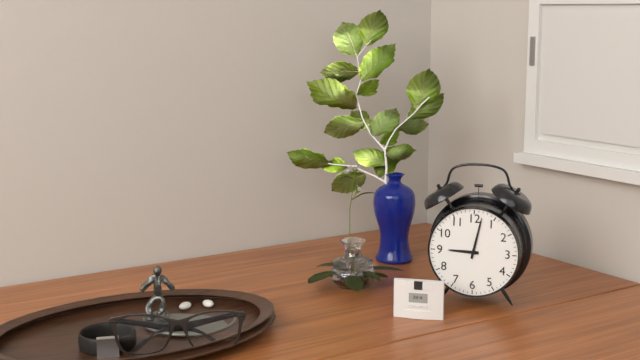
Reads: 9:02
